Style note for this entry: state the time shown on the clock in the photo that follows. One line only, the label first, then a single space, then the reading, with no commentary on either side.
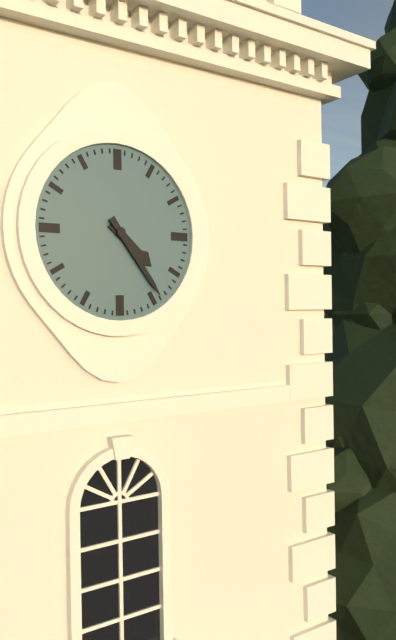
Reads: 4:24
